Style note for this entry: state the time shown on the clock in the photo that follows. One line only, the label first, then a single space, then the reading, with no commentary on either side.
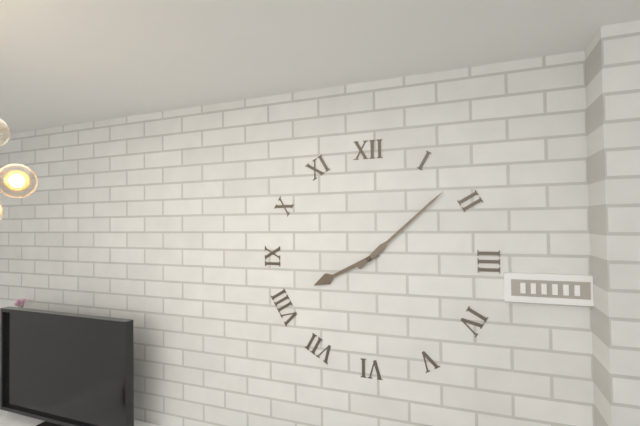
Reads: 8:08
